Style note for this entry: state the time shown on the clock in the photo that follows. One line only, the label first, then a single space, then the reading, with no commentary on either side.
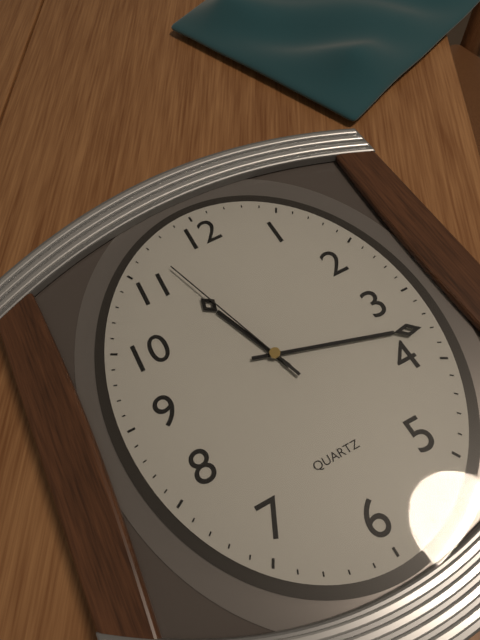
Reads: 11:18:57
